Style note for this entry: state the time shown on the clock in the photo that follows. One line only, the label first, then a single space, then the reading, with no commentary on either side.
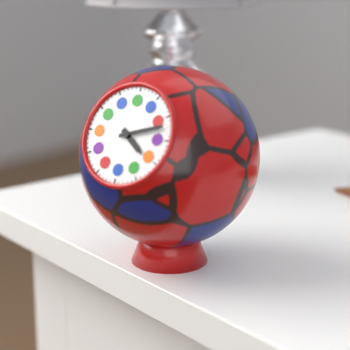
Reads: 4:12
